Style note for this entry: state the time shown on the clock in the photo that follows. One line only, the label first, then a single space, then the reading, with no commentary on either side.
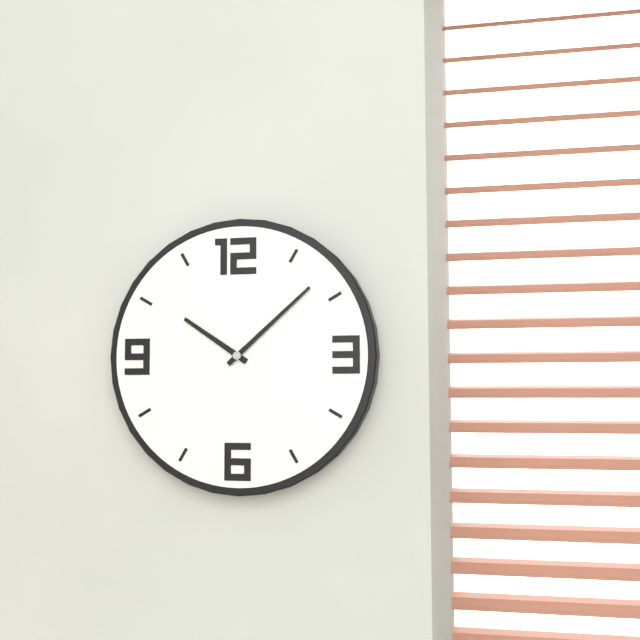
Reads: 10:08
